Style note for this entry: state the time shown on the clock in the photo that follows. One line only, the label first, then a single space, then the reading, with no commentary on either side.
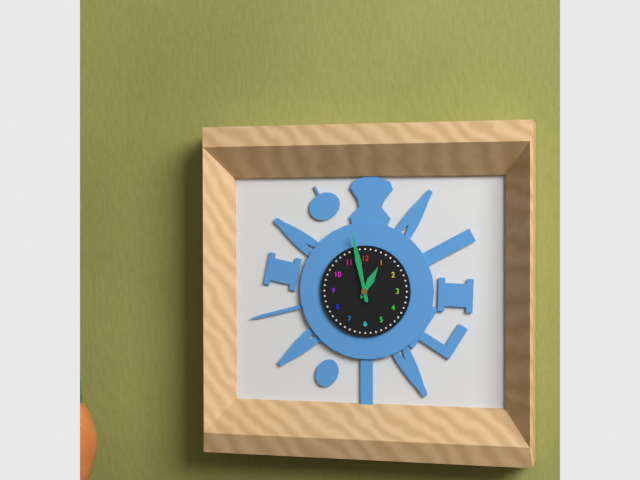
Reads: 12:58
